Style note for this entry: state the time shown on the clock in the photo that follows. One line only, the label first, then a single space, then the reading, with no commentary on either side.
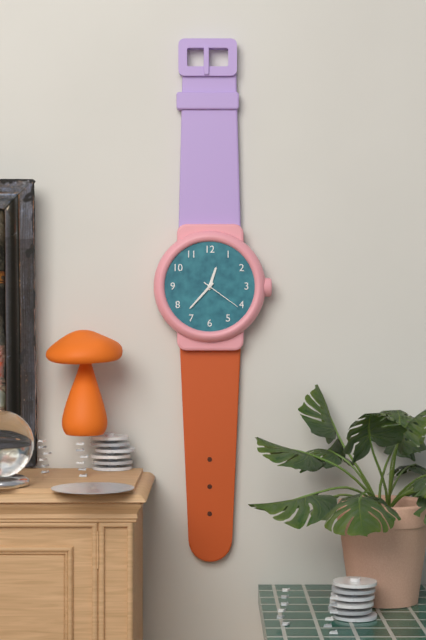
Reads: 12:37
